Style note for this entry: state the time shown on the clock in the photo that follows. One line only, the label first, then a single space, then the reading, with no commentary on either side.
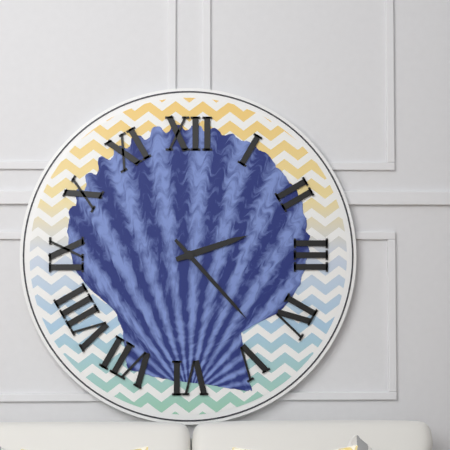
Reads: 2:23
